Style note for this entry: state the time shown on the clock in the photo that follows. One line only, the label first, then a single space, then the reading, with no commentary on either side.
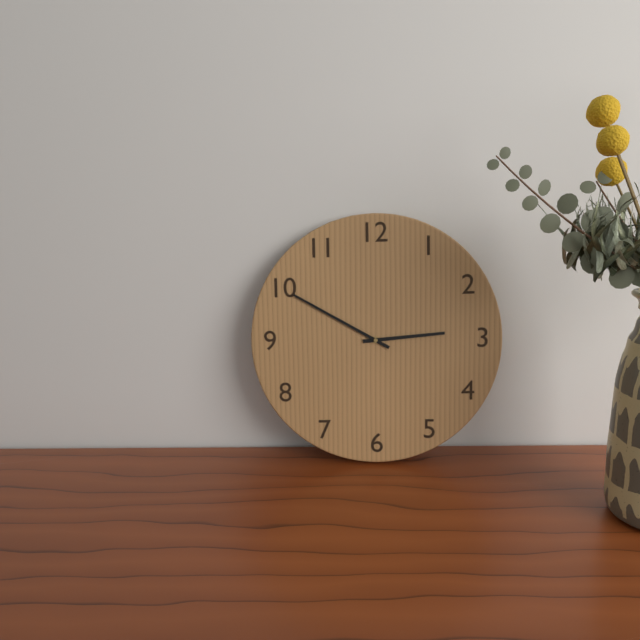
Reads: 2:50
